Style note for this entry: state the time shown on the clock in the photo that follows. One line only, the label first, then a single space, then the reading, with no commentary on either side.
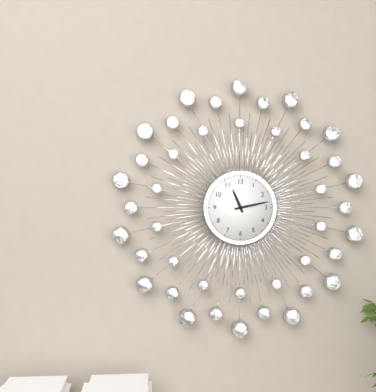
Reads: 11:13
